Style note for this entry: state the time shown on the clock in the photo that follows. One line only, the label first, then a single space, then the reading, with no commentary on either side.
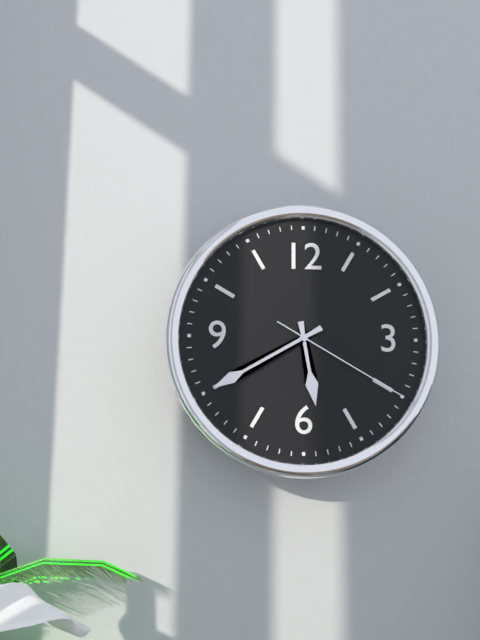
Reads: 5:40:20
